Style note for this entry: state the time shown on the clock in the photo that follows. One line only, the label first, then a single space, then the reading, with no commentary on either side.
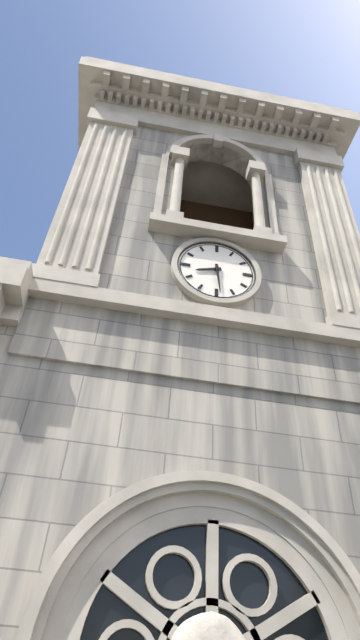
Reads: 8:29
